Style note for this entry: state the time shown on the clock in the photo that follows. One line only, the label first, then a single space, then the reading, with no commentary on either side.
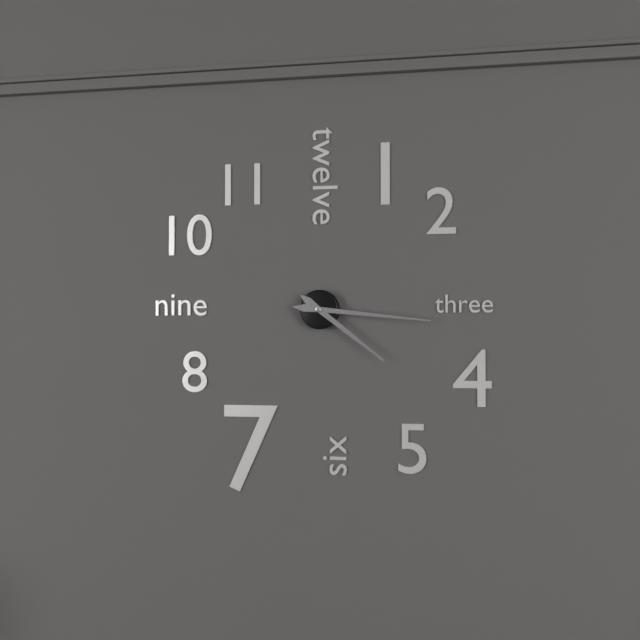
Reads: 4:16
